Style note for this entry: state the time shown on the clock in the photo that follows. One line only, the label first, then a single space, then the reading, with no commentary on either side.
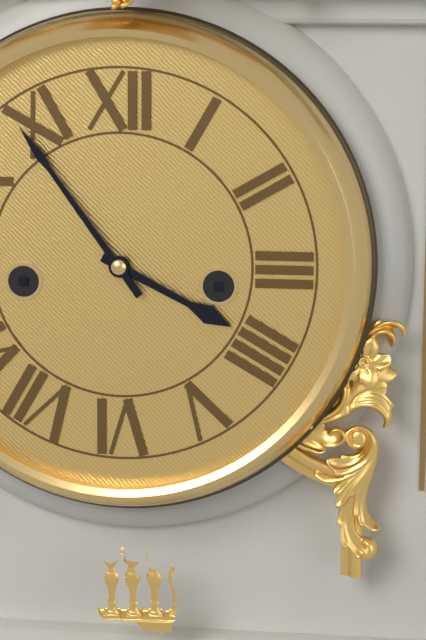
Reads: 3:54
